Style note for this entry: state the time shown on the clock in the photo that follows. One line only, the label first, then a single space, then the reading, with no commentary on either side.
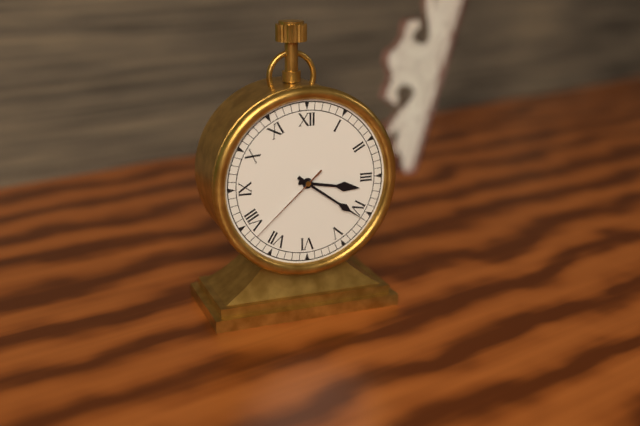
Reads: 3:21:38
